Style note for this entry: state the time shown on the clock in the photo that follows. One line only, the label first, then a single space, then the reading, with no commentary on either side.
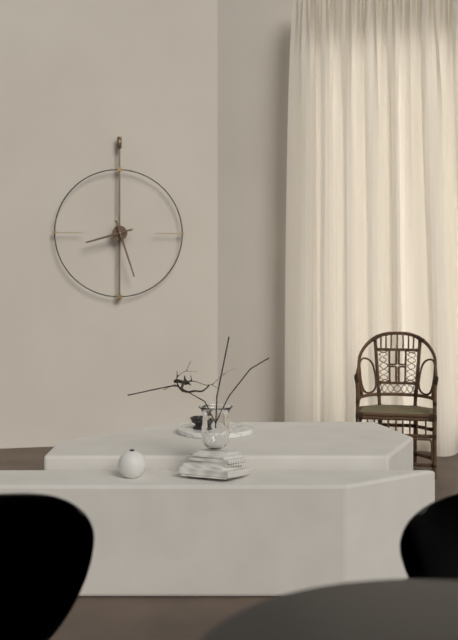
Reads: 8:27
